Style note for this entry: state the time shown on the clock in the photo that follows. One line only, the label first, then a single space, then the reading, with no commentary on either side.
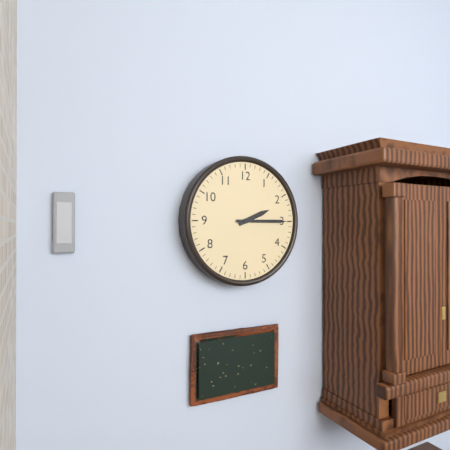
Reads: 2:15
